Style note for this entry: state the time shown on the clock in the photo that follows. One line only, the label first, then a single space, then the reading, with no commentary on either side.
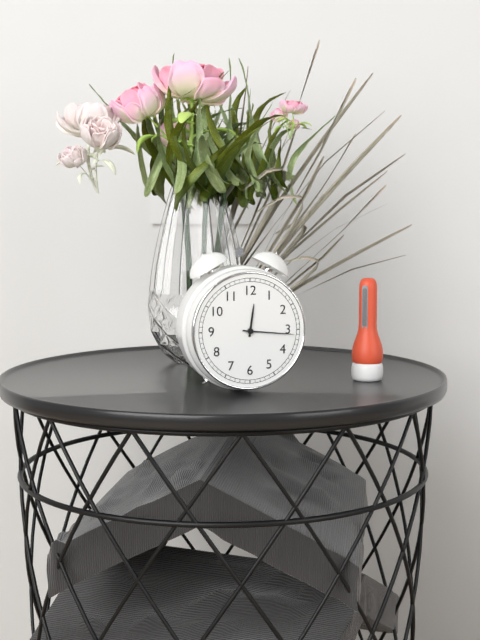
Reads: 12:16
